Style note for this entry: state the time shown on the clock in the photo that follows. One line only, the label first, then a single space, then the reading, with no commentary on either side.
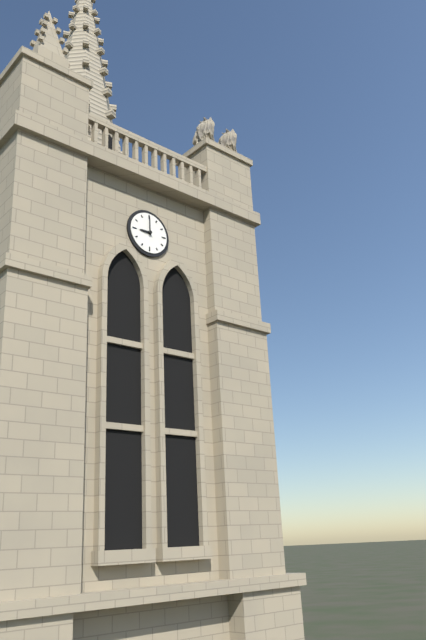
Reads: 9:00
